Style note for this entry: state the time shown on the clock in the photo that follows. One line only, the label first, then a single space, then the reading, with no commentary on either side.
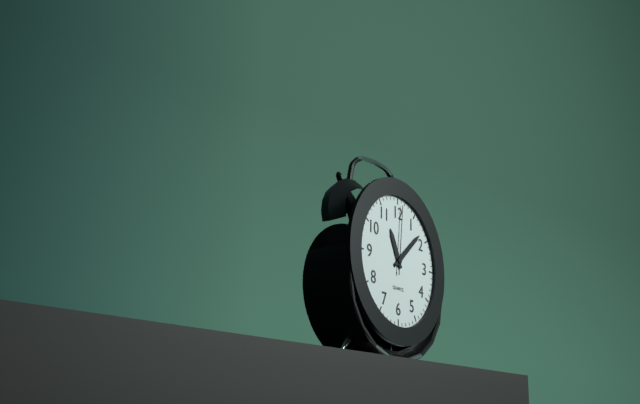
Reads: 11:08:01
